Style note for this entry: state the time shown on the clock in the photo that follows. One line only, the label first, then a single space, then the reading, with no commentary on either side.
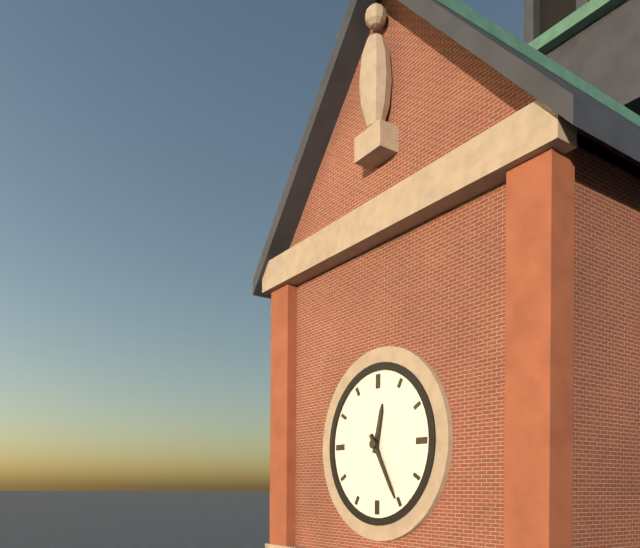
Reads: 12:25
